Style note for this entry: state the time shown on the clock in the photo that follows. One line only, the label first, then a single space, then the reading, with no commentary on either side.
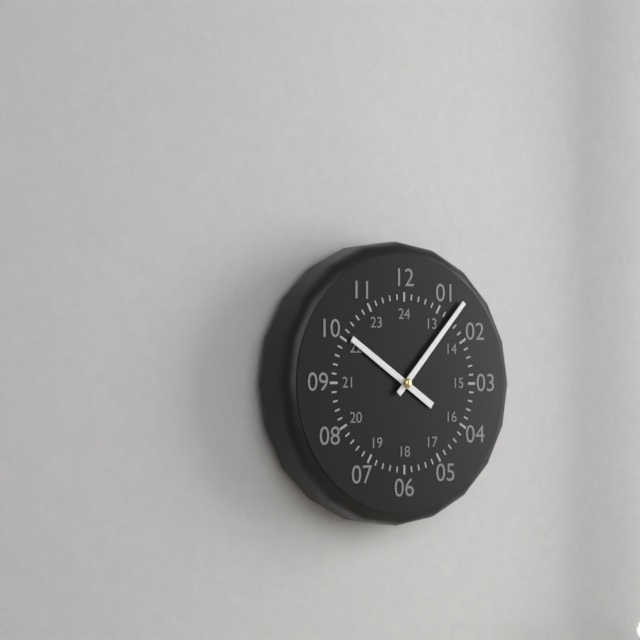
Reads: 10:07
